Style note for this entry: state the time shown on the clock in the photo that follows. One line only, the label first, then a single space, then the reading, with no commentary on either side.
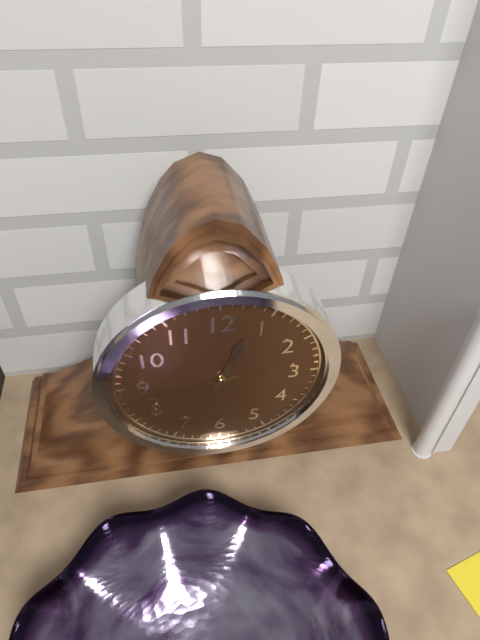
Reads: 12:43
